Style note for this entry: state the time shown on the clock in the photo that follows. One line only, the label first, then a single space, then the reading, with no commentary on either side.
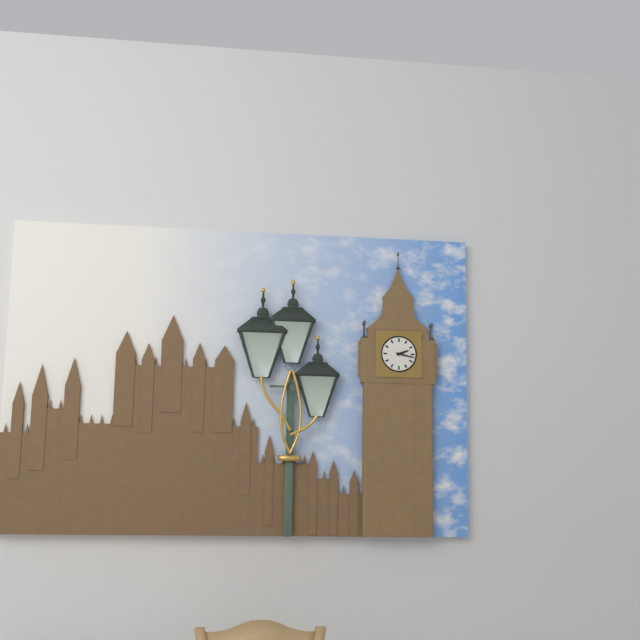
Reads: 2:17
